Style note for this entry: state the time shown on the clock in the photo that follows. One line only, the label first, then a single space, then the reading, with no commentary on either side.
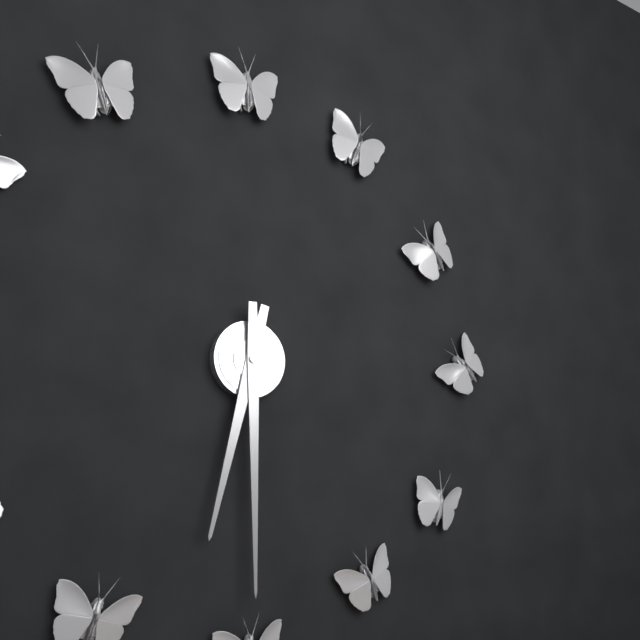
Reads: 6:30
